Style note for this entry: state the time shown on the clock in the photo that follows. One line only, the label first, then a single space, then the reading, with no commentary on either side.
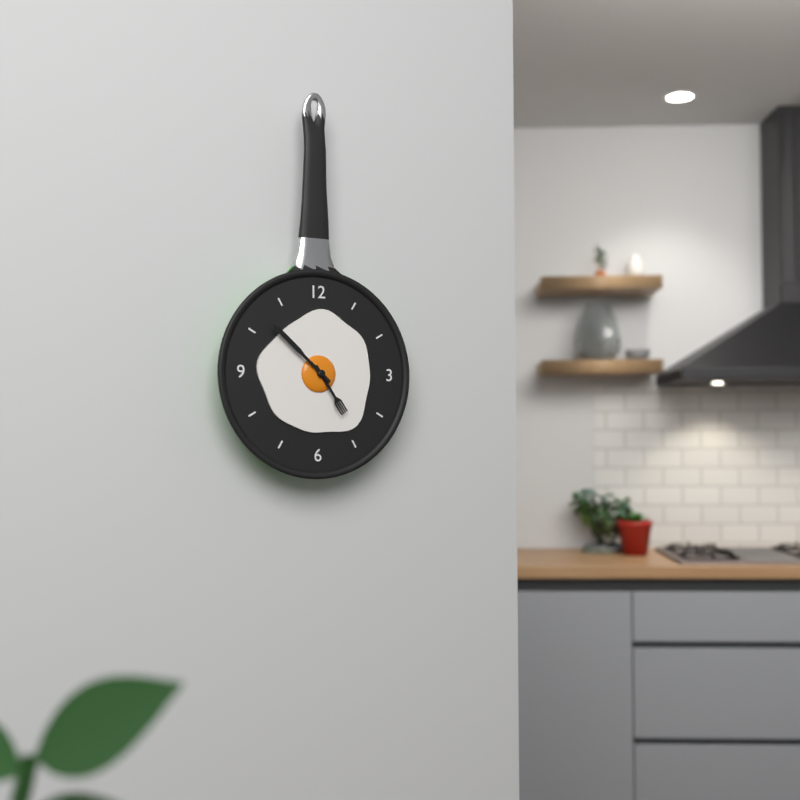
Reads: 4:52
